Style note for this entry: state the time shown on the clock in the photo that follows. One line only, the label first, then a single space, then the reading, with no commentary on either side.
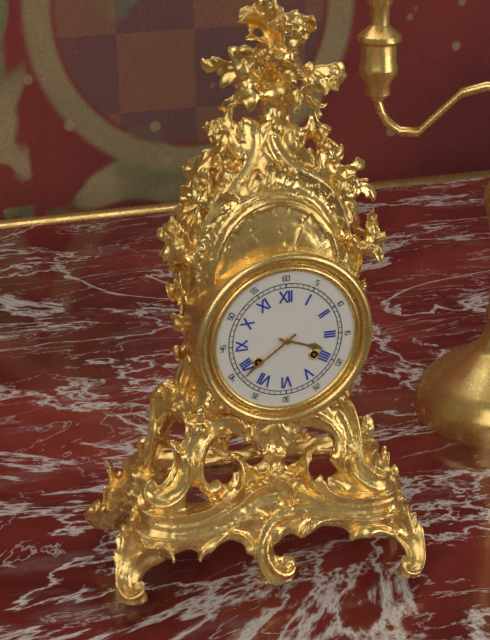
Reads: 3:39
